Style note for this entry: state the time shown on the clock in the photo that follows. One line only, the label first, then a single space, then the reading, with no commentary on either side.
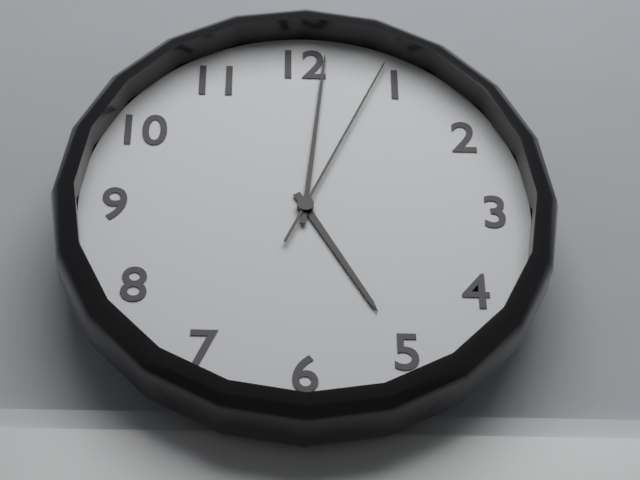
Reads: 5:01:04
